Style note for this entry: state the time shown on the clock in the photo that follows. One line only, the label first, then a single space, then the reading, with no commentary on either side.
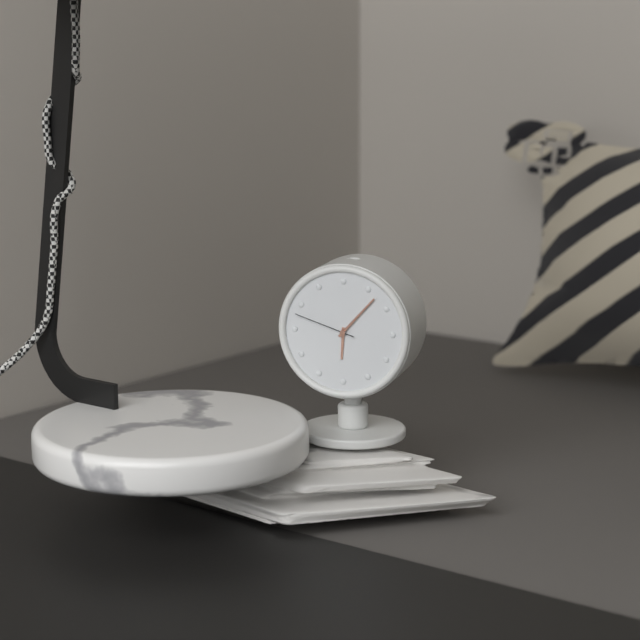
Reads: 6:07:48
